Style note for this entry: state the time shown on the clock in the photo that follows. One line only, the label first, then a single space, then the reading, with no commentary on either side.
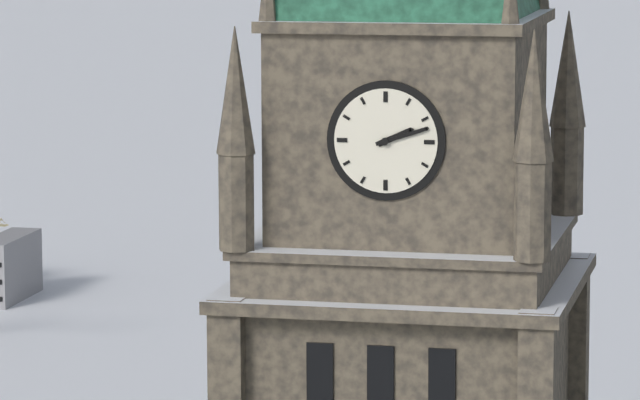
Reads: 2:12
